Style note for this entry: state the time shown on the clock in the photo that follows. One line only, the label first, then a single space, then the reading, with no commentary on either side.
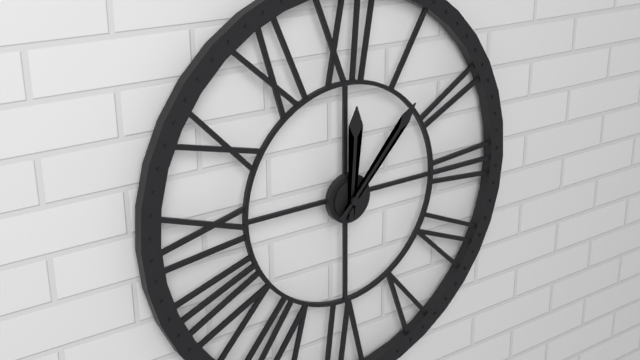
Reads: 12:07
